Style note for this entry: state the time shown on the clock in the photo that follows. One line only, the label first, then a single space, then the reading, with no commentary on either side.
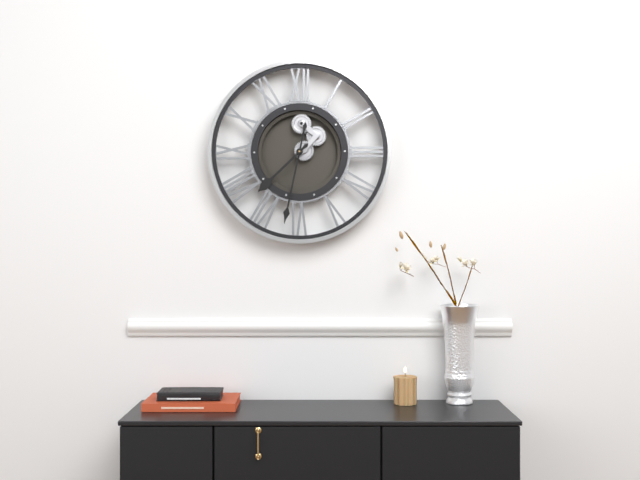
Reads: 7:32
